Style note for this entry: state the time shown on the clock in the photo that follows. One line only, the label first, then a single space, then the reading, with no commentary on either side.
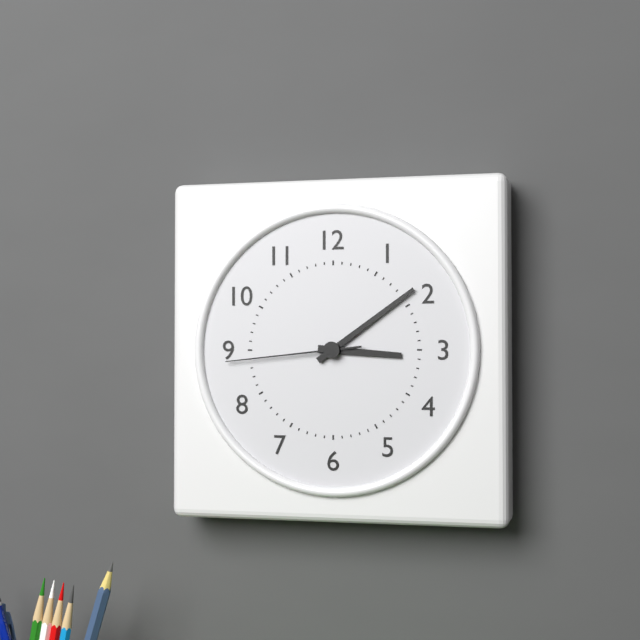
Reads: 3:09:44
